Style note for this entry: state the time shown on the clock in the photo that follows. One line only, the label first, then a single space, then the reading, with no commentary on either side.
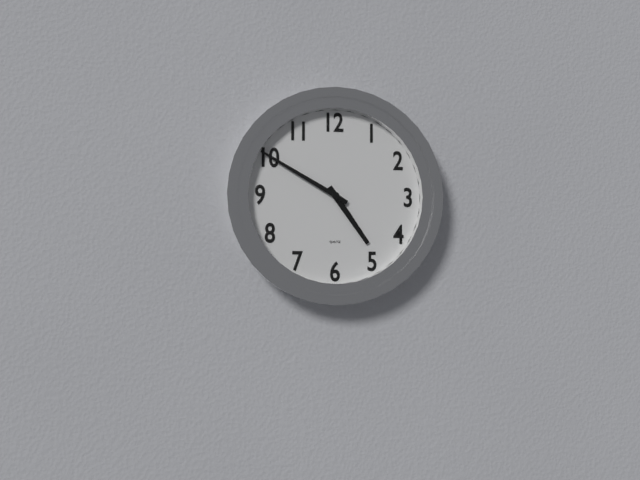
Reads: 4:50
